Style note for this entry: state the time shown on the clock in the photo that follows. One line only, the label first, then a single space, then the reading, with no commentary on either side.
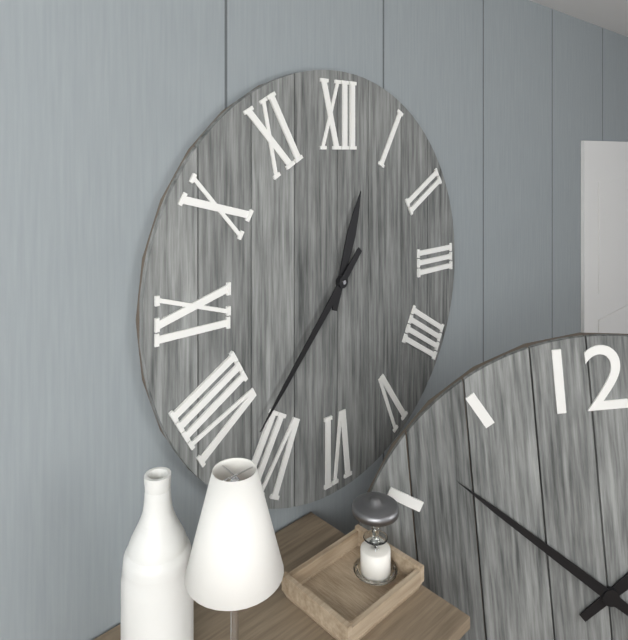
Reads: 12:37
